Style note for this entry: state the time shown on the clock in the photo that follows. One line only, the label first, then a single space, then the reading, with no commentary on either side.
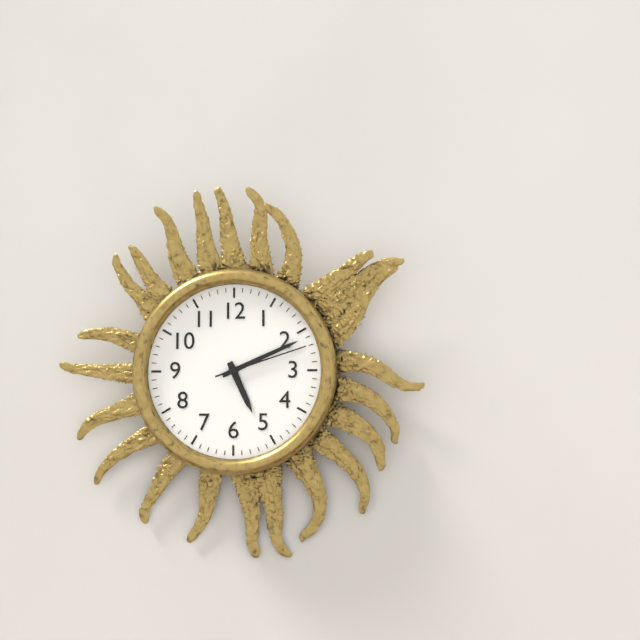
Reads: 5:11:12
